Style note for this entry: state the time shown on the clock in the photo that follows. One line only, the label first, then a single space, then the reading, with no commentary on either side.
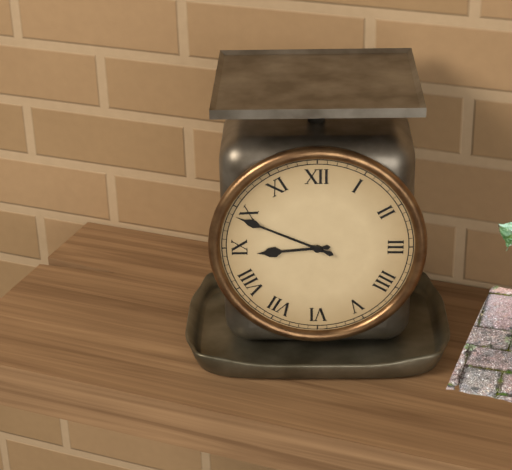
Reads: 8:49
